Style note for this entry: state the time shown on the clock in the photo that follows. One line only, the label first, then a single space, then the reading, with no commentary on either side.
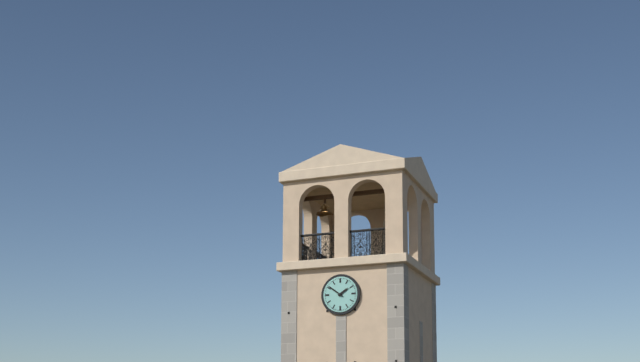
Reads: 1:51
